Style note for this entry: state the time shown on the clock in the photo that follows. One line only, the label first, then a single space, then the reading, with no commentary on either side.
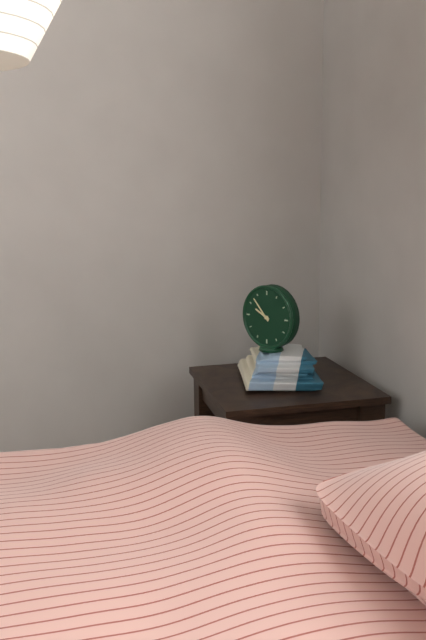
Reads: 9:53
